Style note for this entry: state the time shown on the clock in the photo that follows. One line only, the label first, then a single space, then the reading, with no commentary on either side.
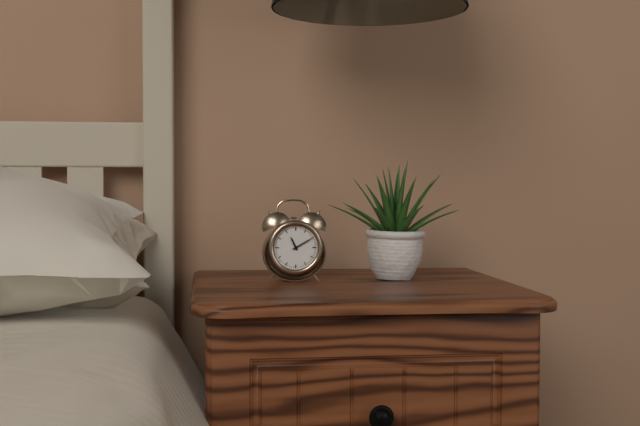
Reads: 11:10
